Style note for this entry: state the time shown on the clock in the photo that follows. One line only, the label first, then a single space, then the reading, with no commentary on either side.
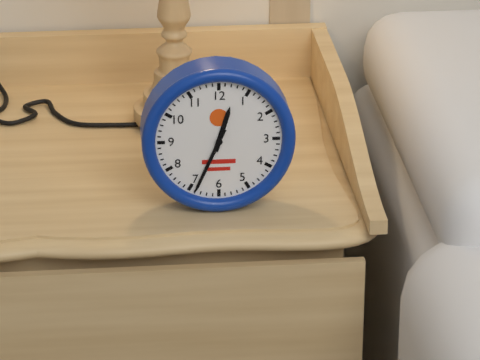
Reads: 12:34
